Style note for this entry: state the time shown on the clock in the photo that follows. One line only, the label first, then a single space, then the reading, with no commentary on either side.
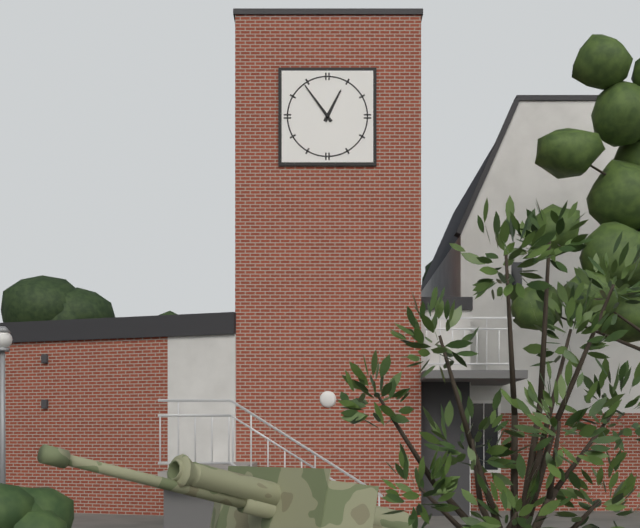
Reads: 12:54
